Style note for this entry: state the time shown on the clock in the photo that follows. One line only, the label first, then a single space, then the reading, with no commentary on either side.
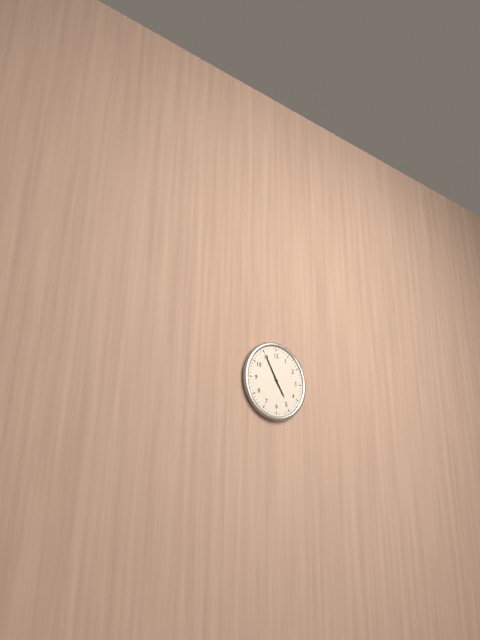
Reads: 4:55
